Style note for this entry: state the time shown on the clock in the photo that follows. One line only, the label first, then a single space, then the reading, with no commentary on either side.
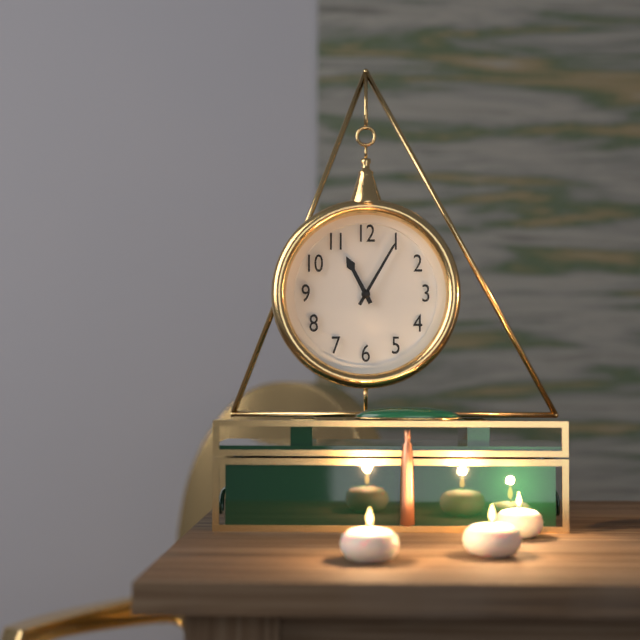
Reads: 11:05
